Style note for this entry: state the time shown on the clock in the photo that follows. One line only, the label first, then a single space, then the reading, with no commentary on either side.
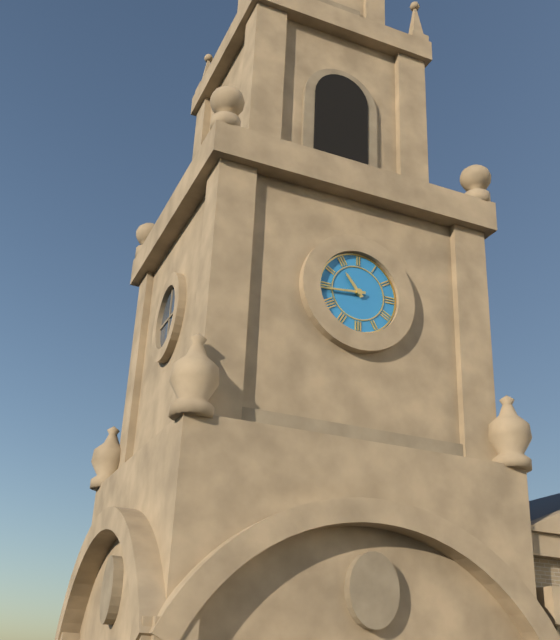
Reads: 10:44
